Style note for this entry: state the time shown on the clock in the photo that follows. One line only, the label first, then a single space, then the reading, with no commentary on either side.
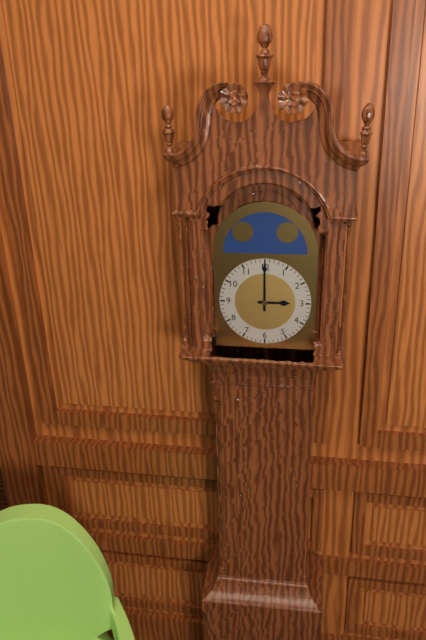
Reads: 3:00
